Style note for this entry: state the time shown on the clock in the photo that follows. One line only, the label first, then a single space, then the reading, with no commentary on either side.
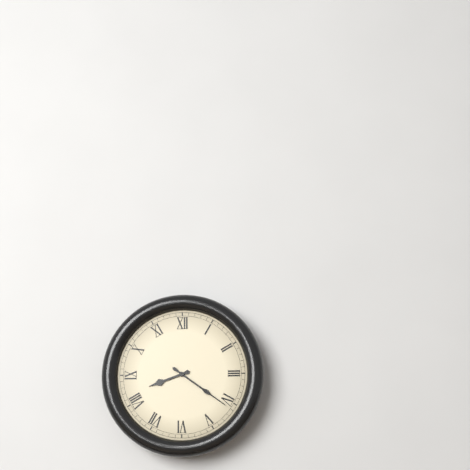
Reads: 8:21
